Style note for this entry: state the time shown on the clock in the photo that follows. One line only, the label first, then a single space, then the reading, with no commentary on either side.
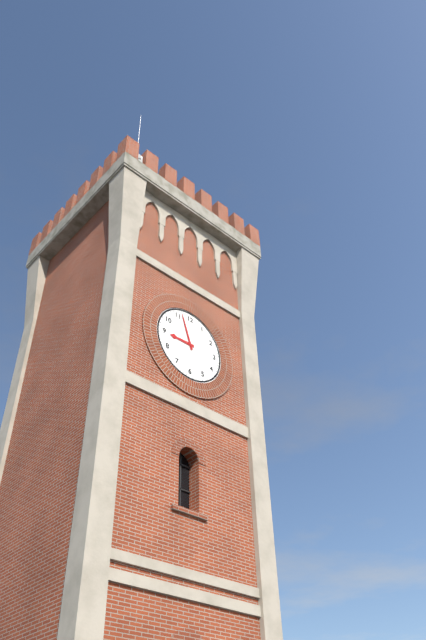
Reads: 8:57
